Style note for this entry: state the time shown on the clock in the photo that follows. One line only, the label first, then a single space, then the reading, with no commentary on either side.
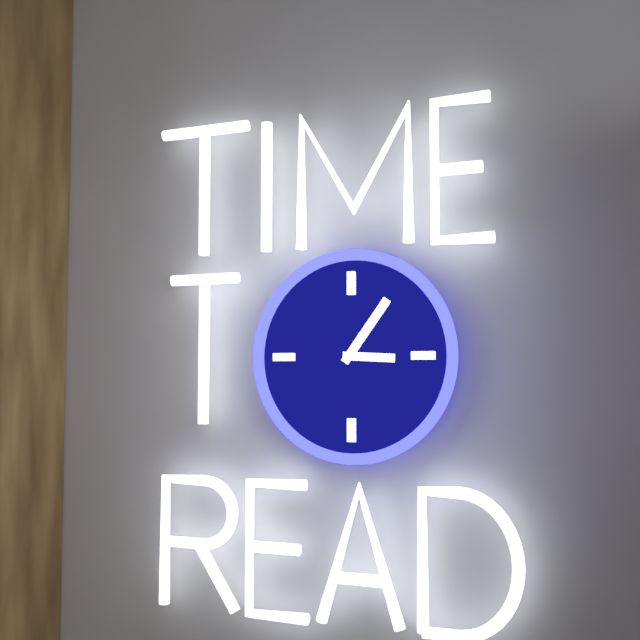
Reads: 3:06
